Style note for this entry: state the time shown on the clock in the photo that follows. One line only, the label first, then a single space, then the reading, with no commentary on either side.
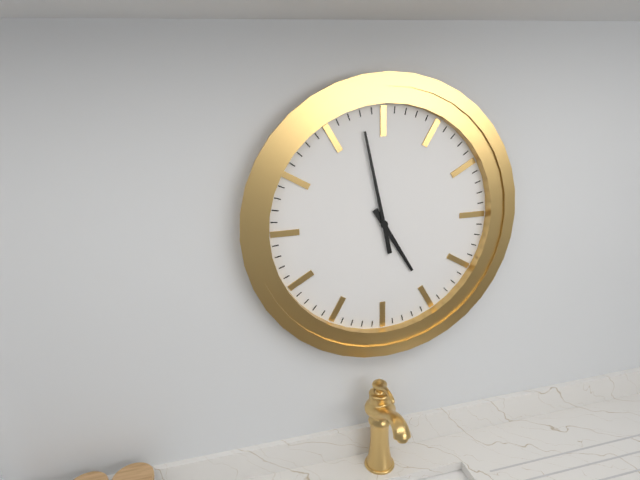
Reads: 4:58
